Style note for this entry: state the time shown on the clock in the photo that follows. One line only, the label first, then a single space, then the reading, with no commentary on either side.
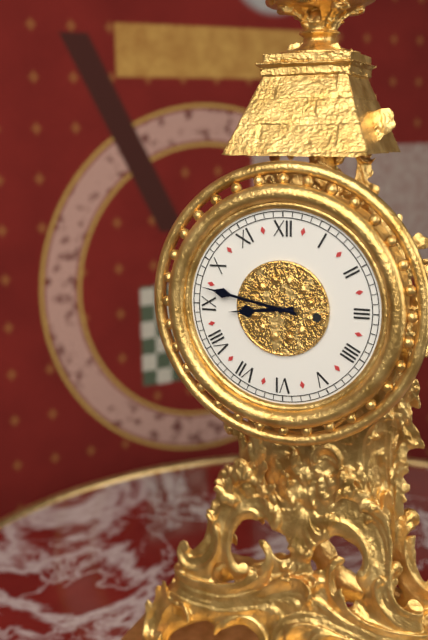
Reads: 8:47
